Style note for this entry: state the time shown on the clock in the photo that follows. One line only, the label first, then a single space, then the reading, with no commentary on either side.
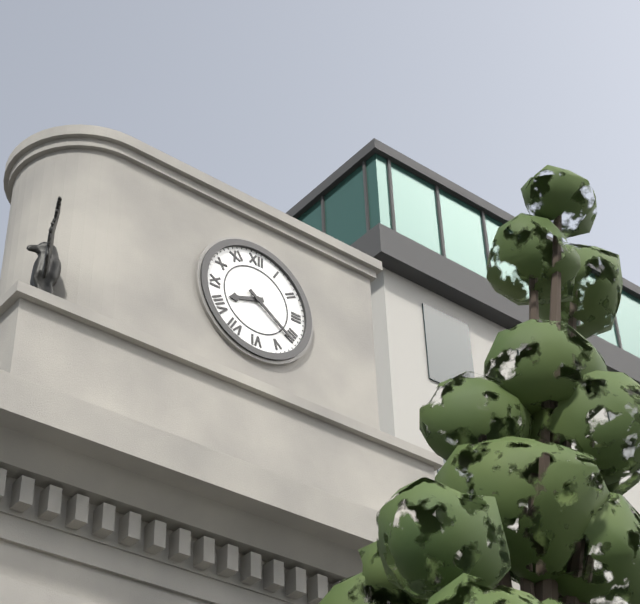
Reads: 8:21
